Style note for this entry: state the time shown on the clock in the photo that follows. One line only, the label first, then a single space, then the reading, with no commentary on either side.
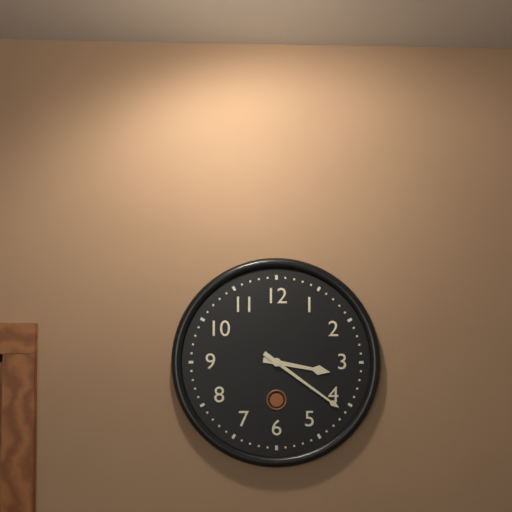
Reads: 3:21
